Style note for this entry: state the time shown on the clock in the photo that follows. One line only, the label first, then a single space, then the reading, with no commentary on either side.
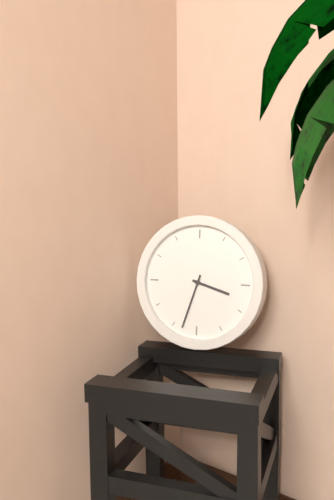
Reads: 3:33
